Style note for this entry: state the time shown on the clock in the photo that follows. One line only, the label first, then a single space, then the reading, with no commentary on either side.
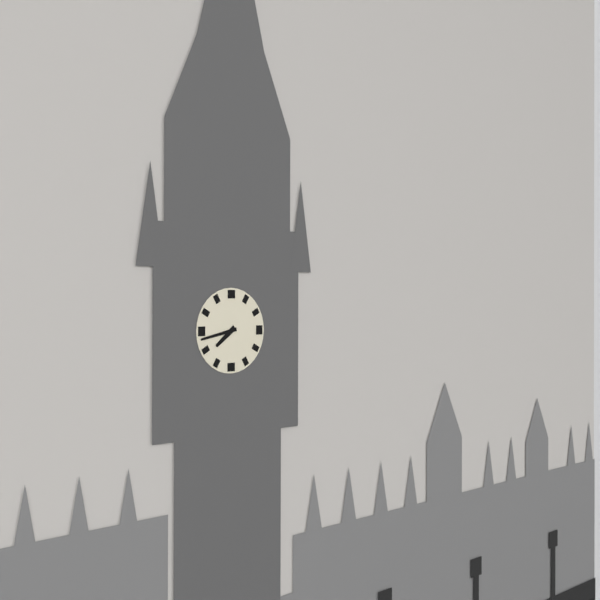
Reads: 7:43
